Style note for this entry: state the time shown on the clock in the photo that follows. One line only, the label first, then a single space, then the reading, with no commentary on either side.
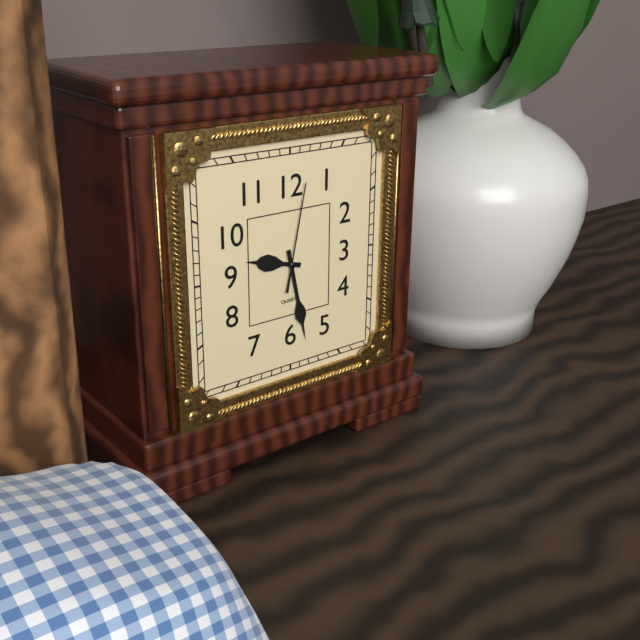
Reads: 9:28:02
